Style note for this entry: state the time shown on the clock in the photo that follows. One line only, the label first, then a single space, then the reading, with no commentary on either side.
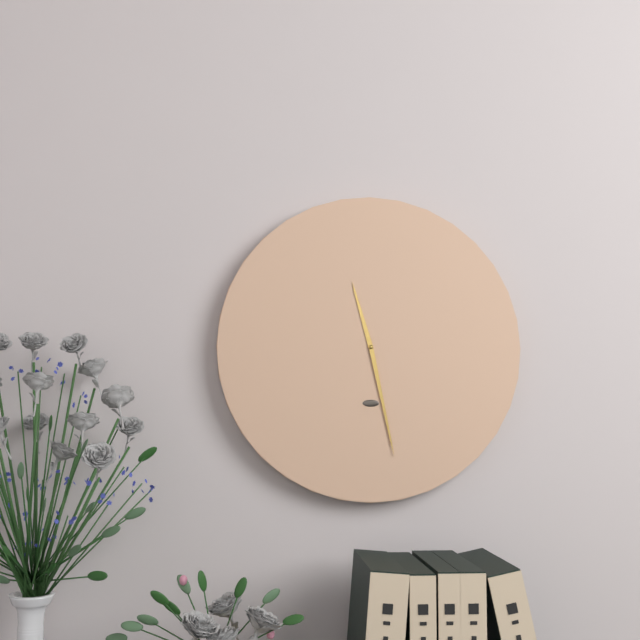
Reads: 11:28
